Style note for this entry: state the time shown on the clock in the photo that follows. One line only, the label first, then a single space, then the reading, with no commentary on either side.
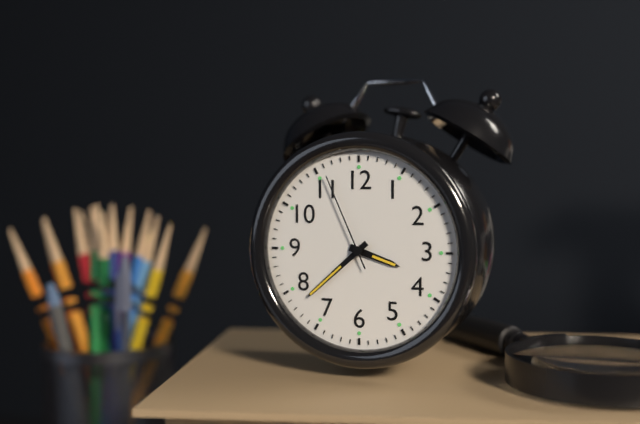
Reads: 3:38:56
